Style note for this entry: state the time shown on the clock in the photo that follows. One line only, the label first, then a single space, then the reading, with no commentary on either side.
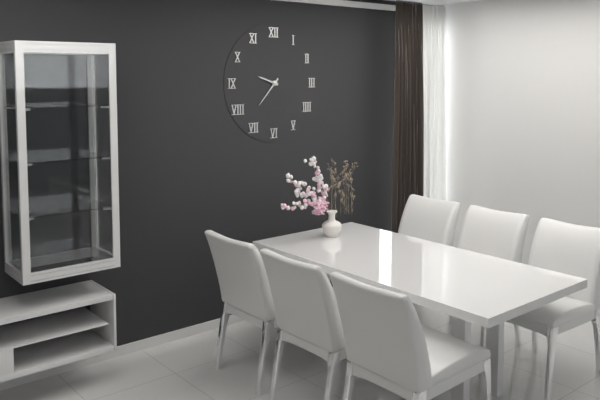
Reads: 9:37
